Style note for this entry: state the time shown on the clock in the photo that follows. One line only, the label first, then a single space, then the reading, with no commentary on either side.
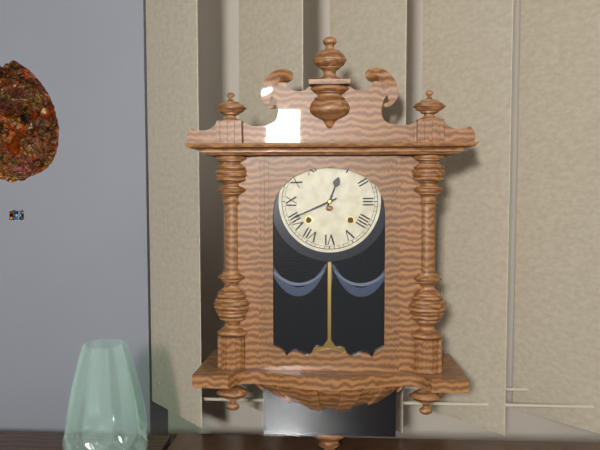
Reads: 12:41
